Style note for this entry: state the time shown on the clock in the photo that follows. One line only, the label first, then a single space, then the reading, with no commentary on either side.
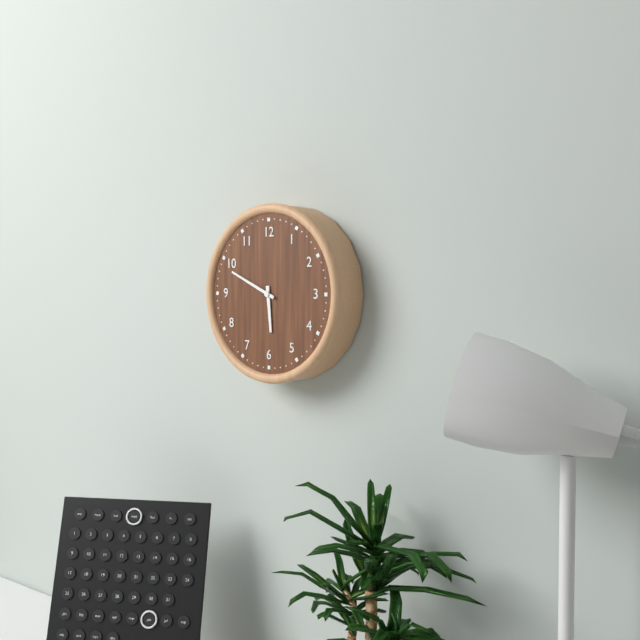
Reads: 5:49
